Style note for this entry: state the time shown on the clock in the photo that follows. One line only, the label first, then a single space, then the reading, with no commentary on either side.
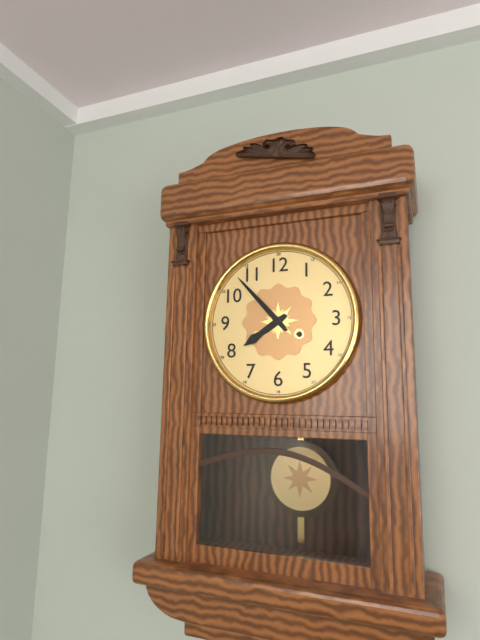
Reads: 7:53
